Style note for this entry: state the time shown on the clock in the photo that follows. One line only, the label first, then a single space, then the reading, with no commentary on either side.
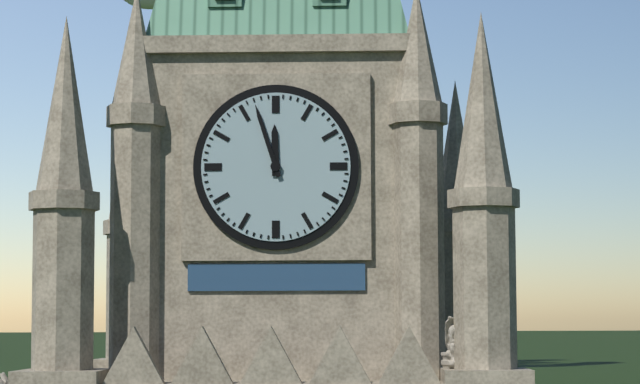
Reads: 11:57
